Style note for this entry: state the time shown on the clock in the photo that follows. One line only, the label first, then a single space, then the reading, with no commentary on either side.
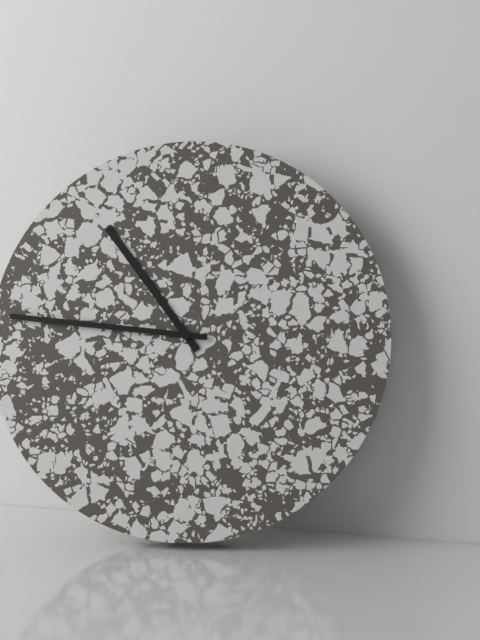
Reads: 10:46
